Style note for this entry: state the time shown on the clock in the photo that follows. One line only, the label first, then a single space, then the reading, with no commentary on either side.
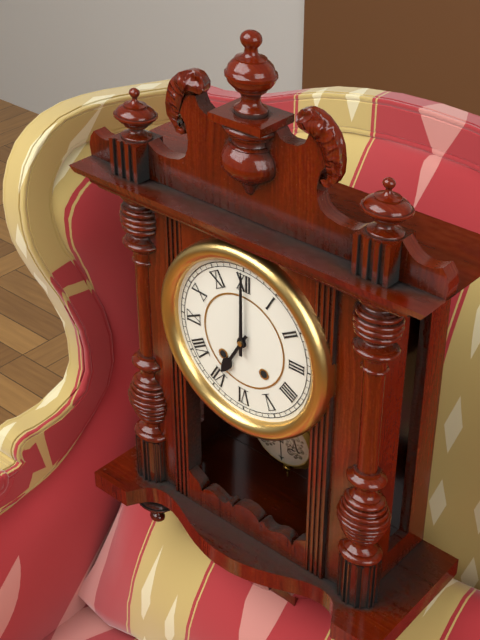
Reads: 7:00
